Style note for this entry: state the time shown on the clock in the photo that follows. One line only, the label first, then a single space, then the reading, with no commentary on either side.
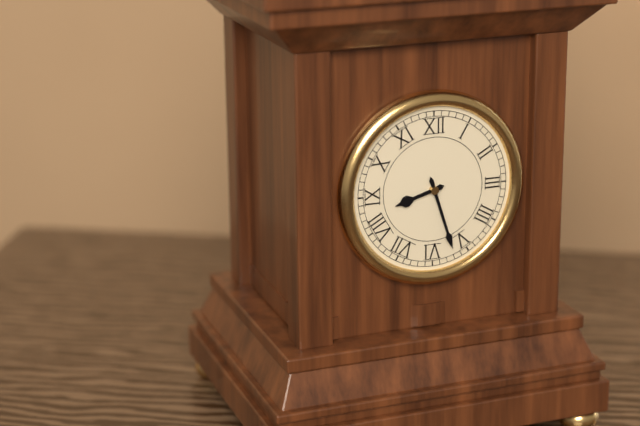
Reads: 8:27
